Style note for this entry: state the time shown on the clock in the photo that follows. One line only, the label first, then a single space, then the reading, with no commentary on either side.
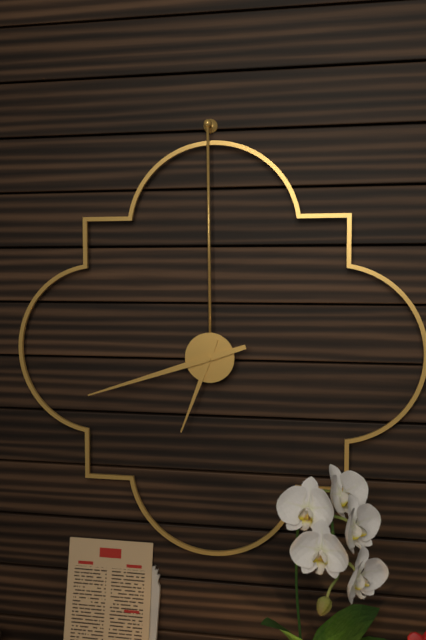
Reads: 6:42
